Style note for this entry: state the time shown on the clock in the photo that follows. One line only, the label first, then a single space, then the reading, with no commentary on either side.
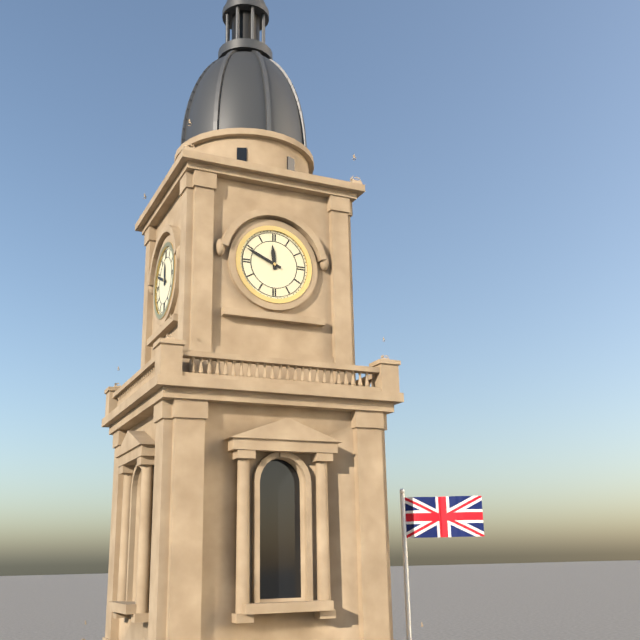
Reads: 11:49
